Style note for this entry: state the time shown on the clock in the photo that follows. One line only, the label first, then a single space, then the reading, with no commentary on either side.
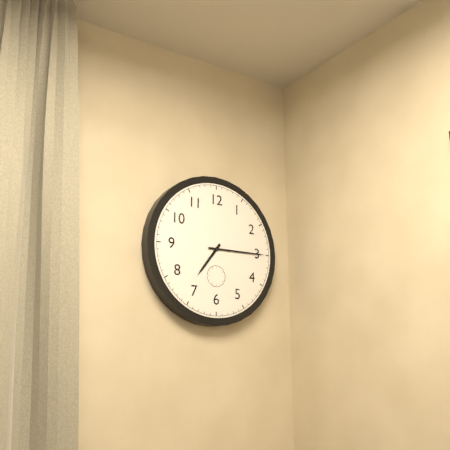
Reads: 7:15
